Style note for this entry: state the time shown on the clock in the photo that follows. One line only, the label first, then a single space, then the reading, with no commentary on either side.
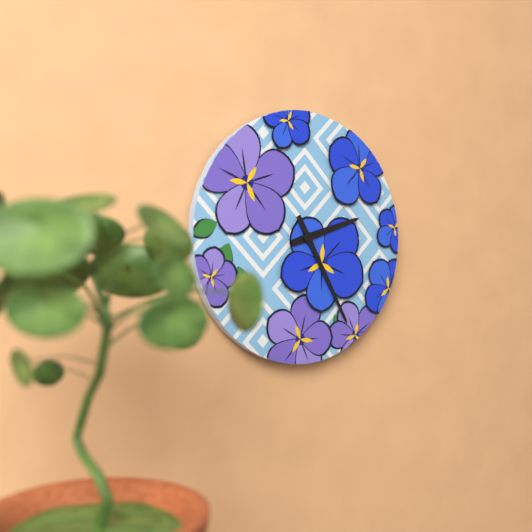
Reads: 2:25
